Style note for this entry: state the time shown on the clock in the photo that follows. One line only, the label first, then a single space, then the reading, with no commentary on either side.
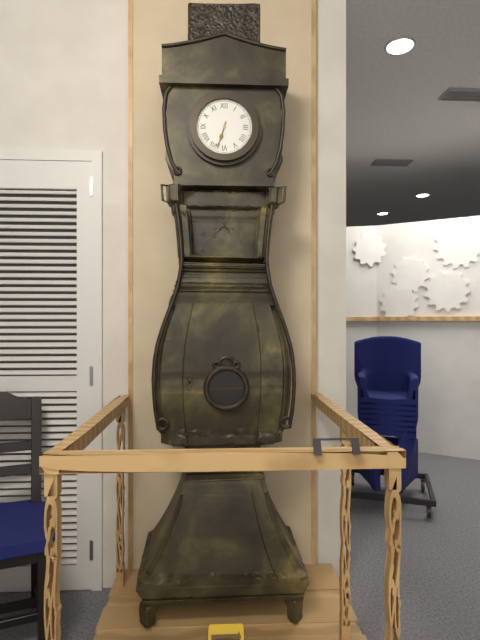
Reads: 6:33
